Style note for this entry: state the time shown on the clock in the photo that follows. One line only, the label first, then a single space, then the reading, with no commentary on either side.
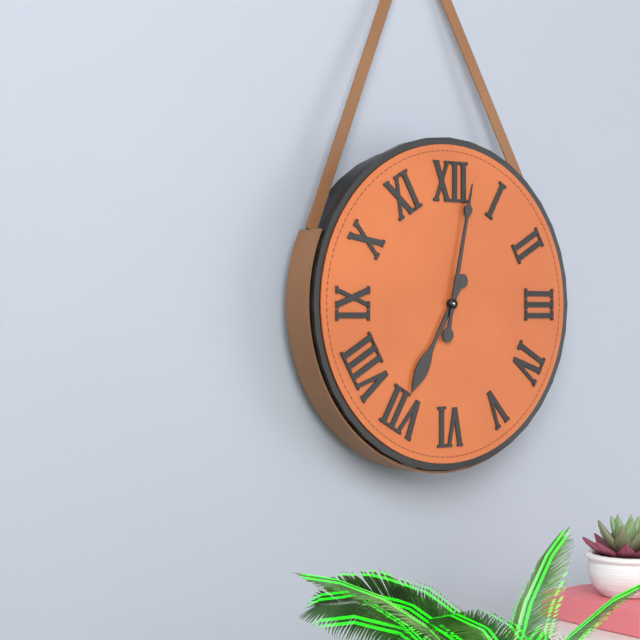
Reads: 7:02
